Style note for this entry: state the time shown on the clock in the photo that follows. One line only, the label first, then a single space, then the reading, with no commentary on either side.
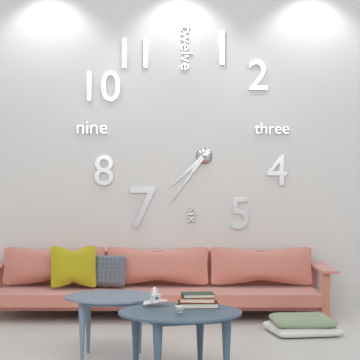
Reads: 7:36
